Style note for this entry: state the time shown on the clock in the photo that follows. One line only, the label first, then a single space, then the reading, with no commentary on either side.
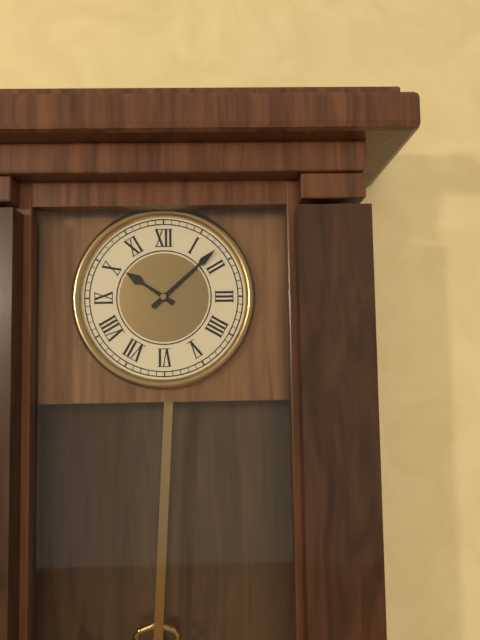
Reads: 10:08
